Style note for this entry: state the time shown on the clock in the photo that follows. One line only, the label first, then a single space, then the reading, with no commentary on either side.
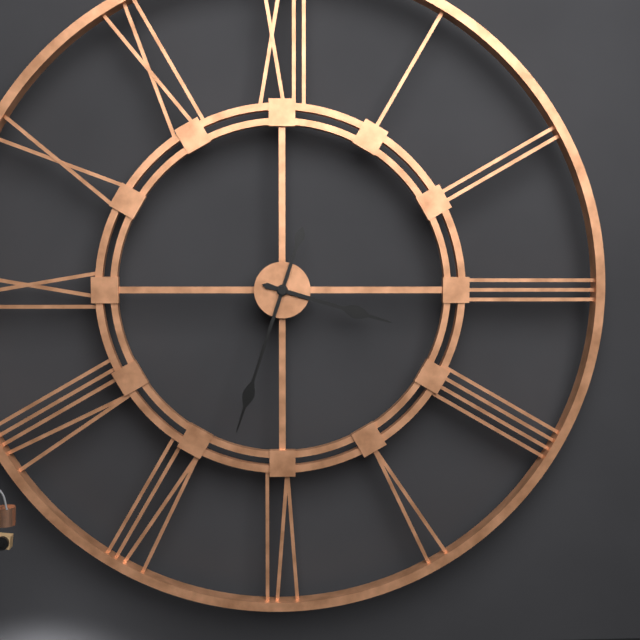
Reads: 3:33
